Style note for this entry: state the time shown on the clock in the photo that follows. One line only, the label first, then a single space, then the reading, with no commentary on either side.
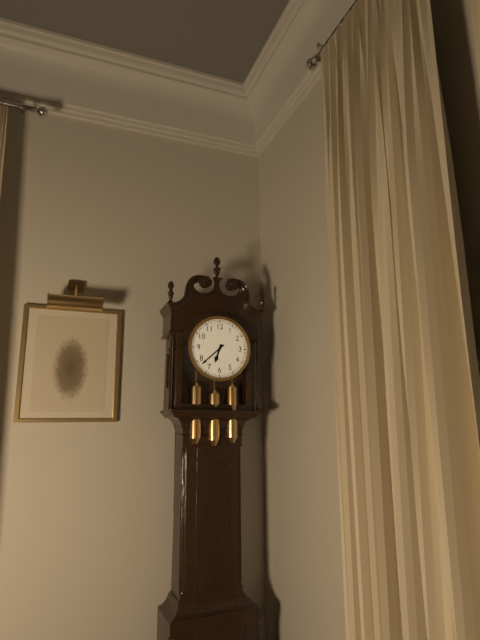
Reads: 6:38
